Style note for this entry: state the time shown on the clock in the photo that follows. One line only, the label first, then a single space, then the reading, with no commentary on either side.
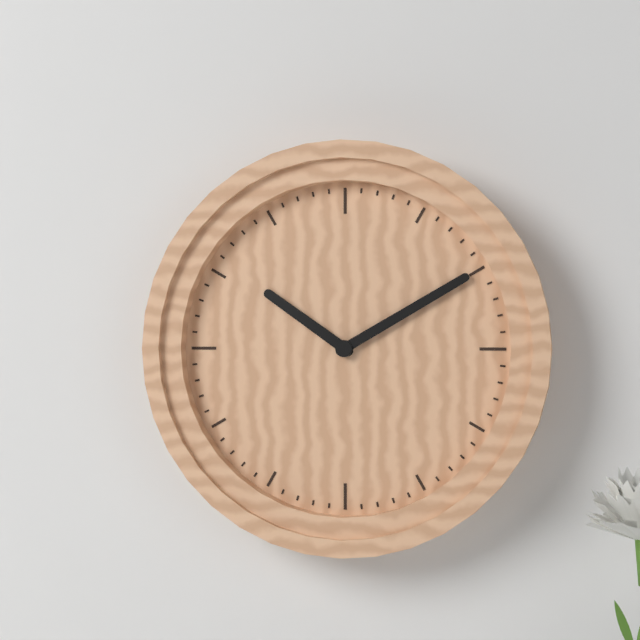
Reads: 10:10
